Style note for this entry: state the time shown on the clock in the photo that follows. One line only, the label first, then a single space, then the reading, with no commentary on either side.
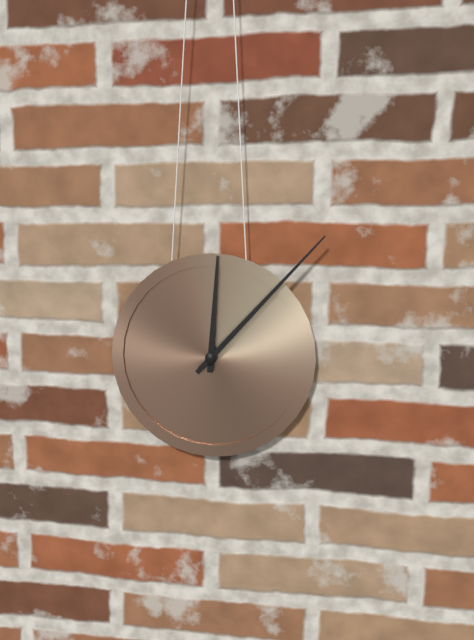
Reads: 12:07
